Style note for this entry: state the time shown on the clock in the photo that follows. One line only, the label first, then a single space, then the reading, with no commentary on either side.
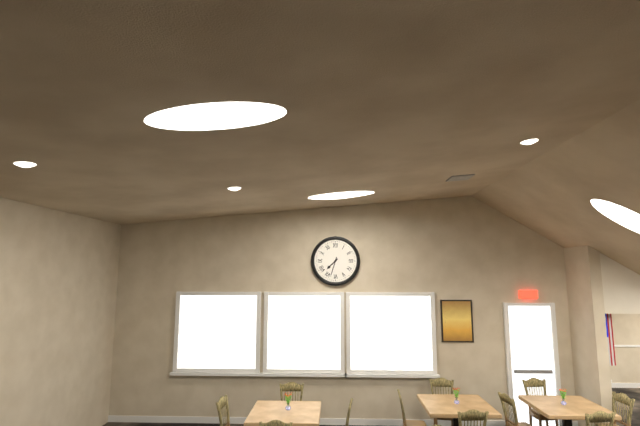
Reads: 7:33
